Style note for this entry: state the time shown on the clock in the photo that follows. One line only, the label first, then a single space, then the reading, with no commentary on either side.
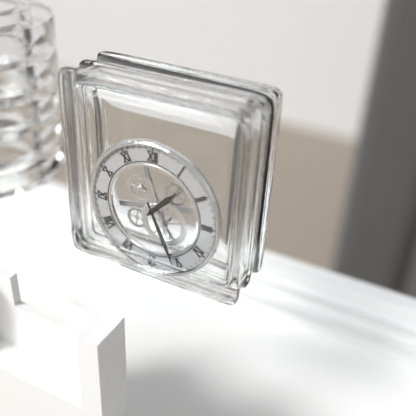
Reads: 1:26
